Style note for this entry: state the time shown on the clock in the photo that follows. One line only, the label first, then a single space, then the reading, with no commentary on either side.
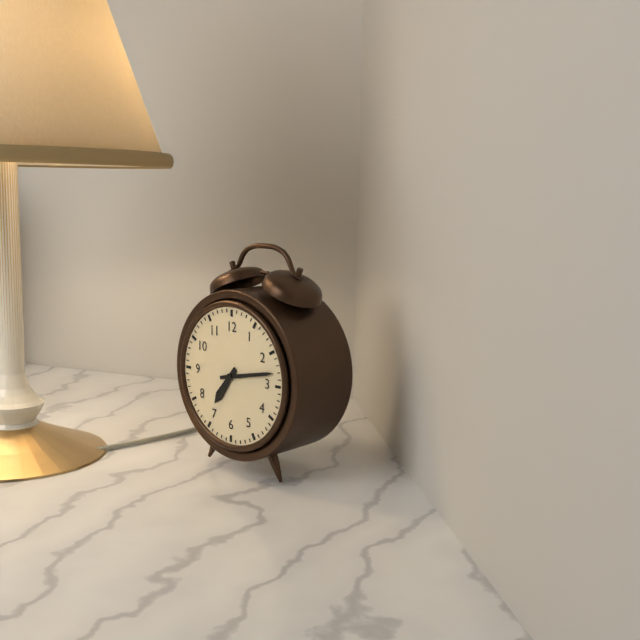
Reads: 7:13
